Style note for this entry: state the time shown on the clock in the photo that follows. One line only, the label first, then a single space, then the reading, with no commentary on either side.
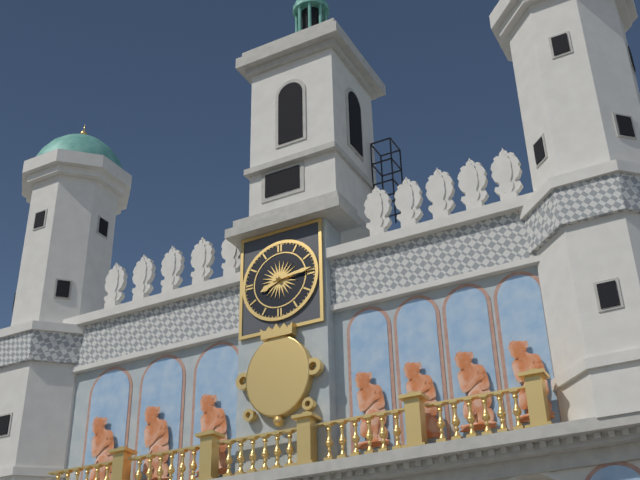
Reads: 8:14
